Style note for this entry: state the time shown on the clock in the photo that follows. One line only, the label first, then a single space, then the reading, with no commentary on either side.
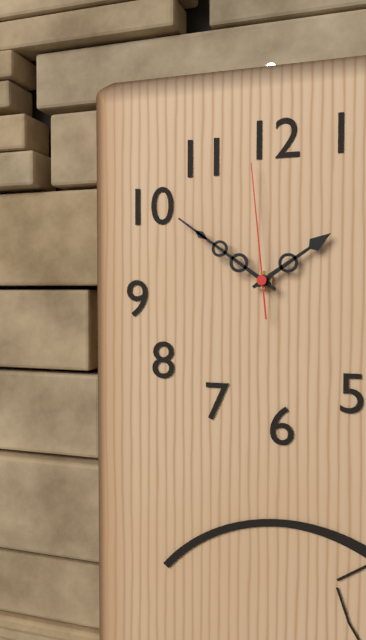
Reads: 1:51:59
